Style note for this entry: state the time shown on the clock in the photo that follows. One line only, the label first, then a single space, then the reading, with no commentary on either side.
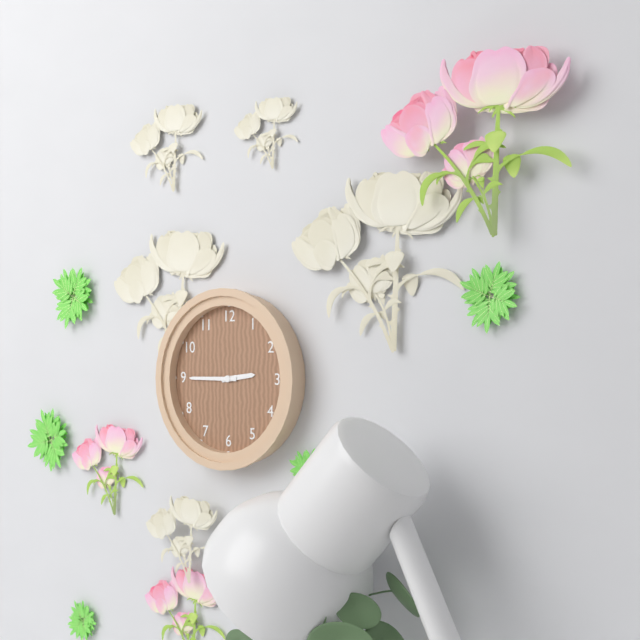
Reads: 2:45
